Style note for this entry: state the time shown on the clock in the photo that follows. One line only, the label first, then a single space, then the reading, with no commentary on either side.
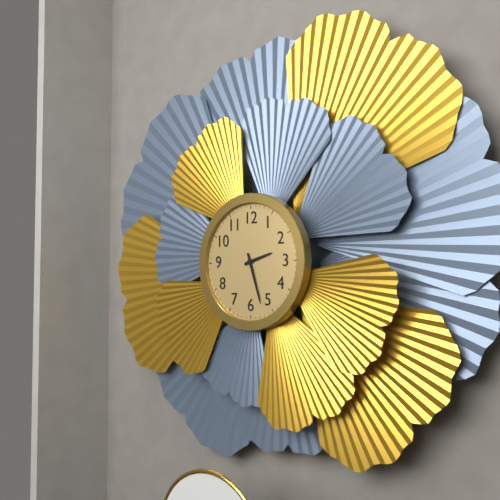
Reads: 2:27
